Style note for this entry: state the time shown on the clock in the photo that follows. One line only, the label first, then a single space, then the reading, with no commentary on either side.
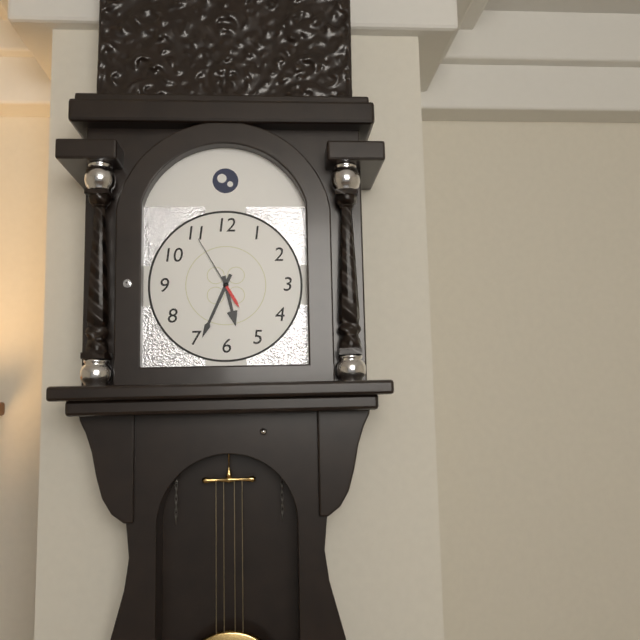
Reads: 5:34:55
